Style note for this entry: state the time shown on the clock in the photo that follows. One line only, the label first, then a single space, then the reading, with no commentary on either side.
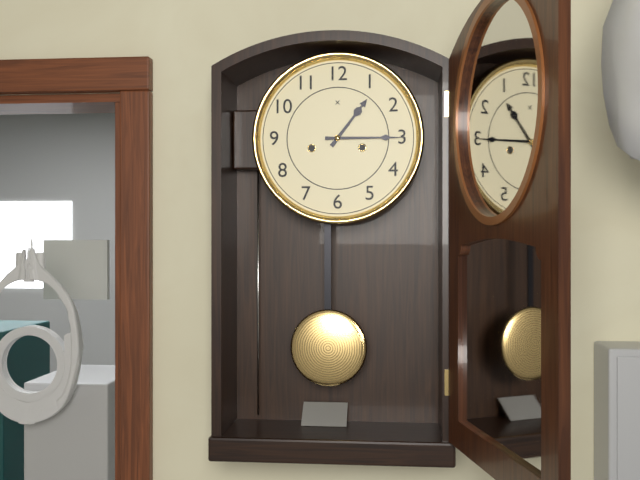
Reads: 1:15
